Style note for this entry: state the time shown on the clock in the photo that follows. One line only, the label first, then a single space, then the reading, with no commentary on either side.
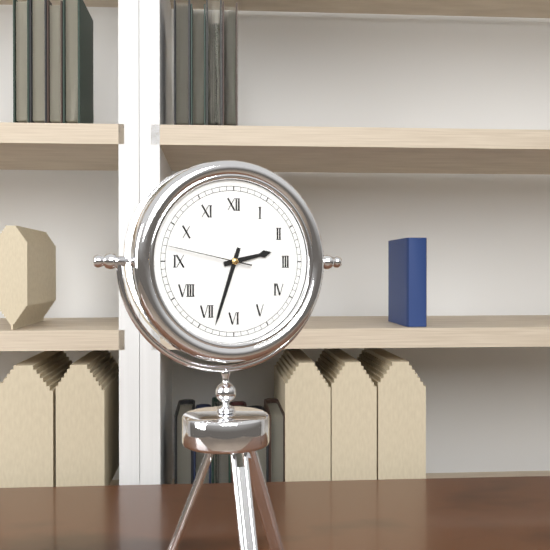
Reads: 2:33:47
